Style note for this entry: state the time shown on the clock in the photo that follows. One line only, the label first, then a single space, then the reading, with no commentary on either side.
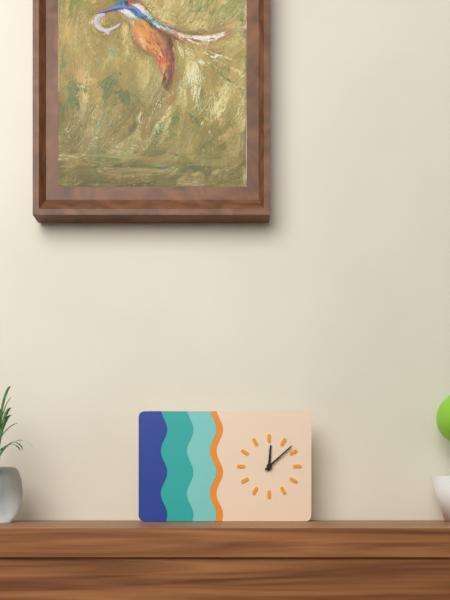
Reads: 12:08
